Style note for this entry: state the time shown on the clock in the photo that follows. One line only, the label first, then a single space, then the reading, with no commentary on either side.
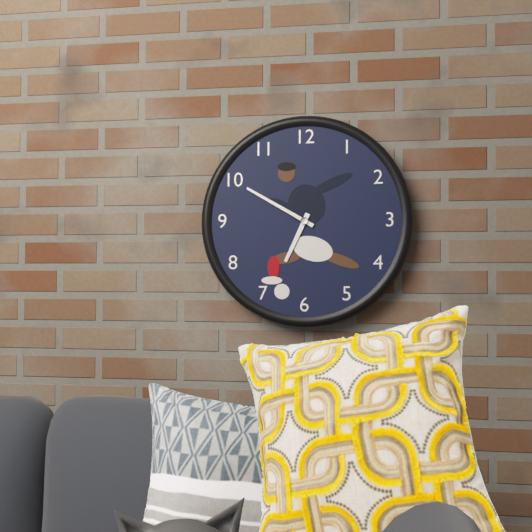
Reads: 6:50
